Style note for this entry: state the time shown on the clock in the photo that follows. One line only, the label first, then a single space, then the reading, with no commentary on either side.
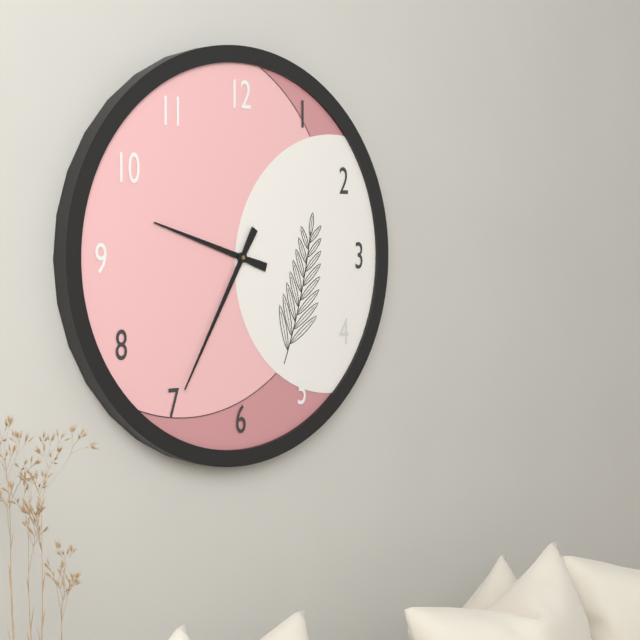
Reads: 9:35
